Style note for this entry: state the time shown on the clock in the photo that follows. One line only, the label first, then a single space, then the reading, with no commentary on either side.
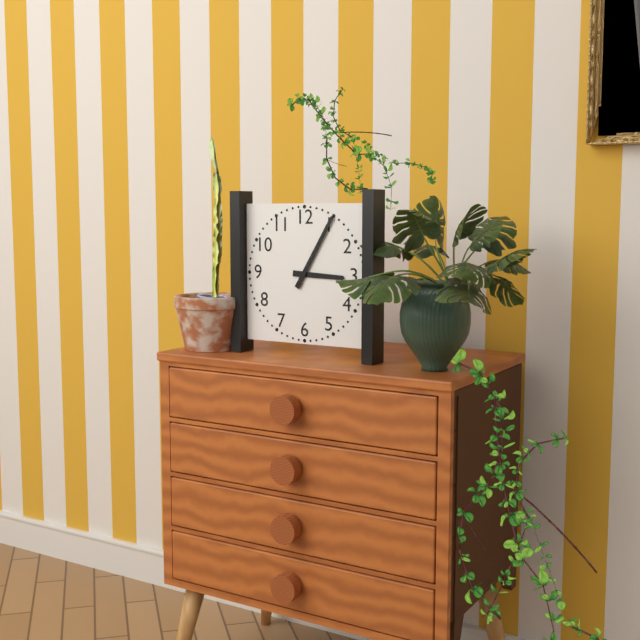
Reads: 3:05
